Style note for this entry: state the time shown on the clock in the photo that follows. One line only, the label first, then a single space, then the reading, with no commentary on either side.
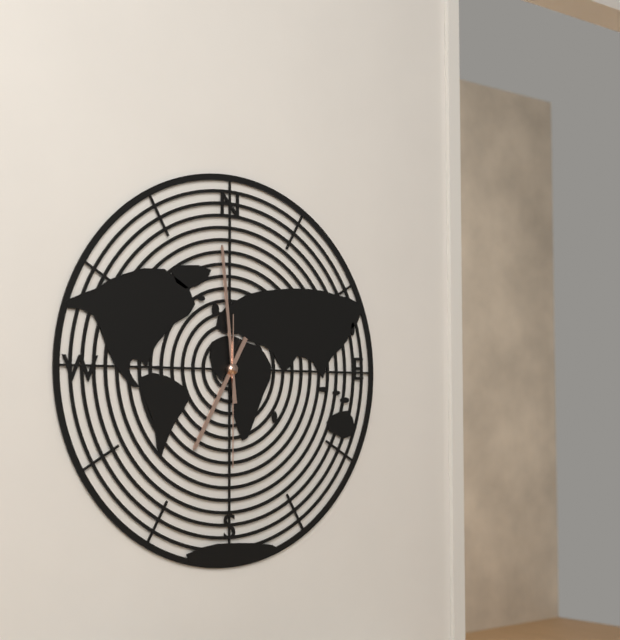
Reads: 6:59:30
